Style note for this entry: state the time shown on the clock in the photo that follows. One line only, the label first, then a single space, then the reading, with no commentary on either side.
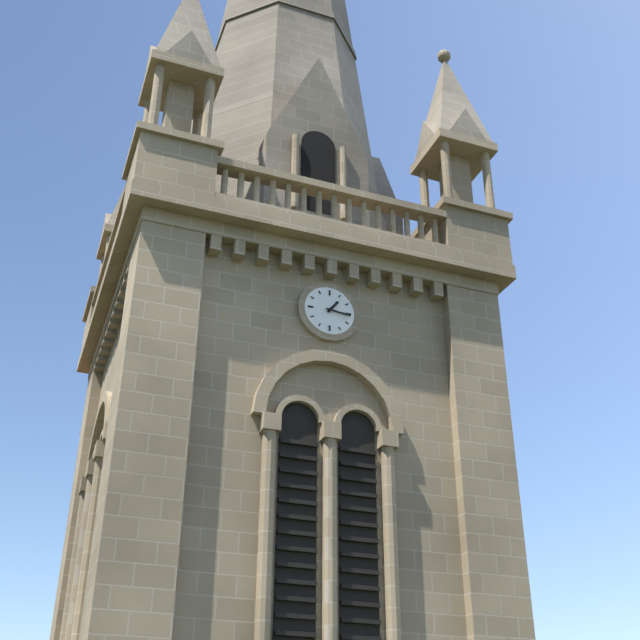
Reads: 1:16
